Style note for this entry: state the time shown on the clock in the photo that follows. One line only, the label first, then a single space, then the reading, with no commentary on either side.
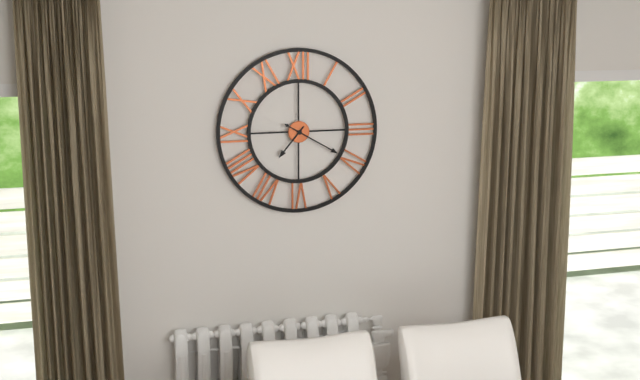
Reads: 7:20
